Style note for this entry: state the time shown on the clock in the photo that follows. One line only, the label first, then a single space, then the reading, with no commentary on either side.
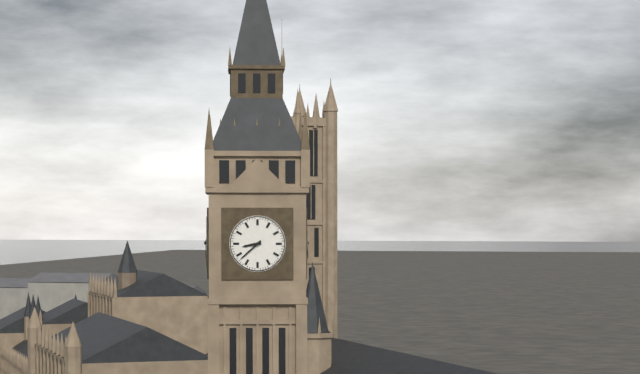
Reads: 8:38
